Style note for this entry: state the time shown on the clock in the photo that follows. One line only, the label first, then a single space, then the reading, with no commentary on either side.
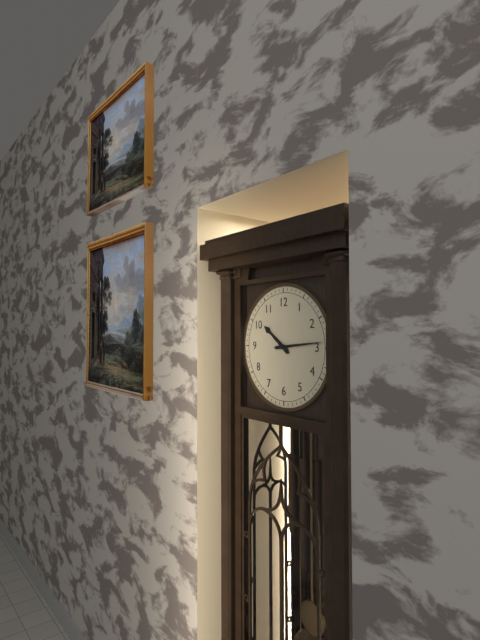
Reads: 10:14
